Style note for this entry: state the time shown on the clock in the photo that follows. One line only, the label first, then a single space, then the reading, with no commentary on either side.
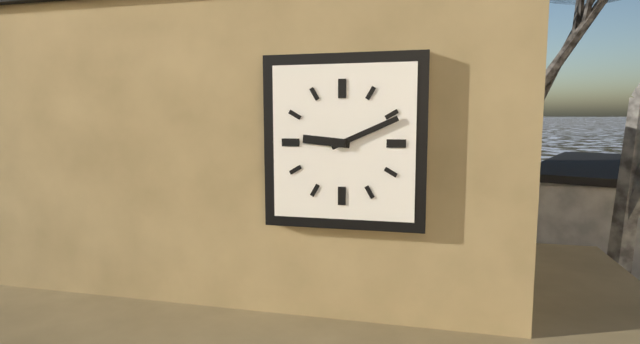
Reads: 9:11
